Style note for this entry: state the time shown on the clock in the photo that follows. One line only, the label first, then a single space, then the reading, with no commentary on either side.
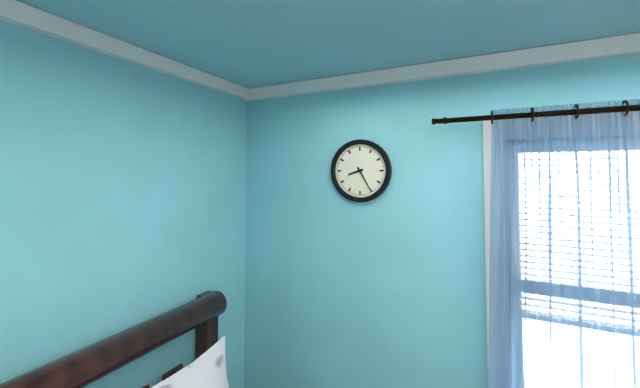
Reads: 8:25
